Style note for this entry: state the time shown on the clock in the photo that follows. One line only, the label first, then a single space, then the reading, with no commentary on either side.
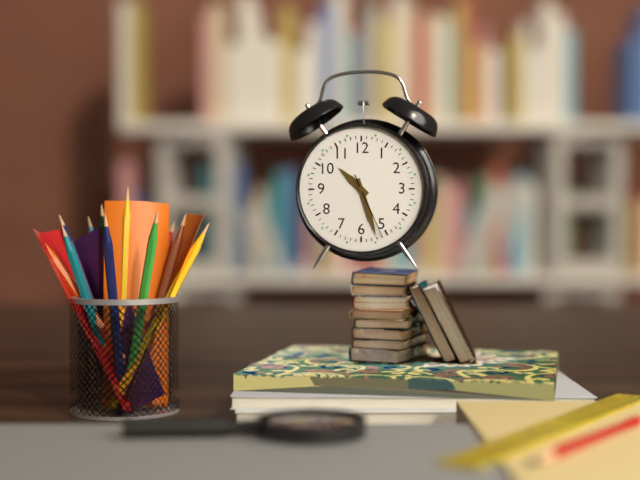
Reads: 10:27:26
